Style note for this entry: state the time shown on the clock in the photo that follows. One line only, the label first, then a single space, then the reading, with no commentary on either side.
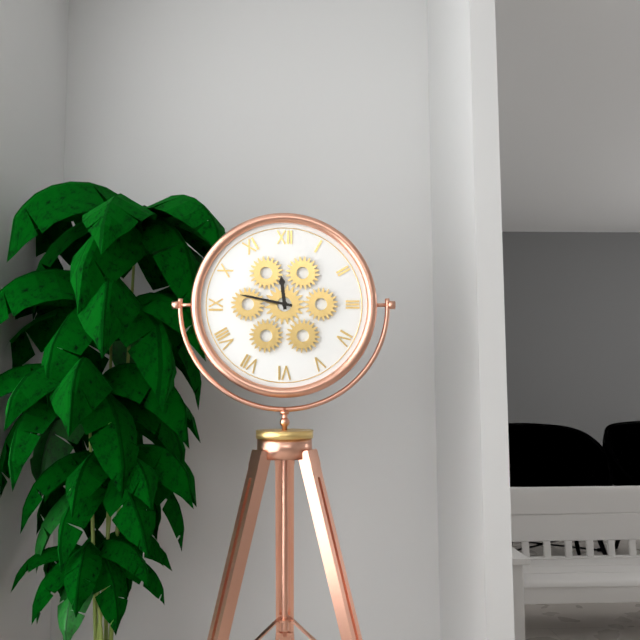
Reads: 11:47
